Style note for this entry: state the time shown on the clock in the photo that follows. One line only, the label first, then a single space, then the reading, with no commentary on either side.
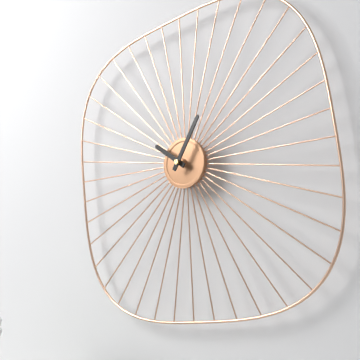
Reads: 10:05
